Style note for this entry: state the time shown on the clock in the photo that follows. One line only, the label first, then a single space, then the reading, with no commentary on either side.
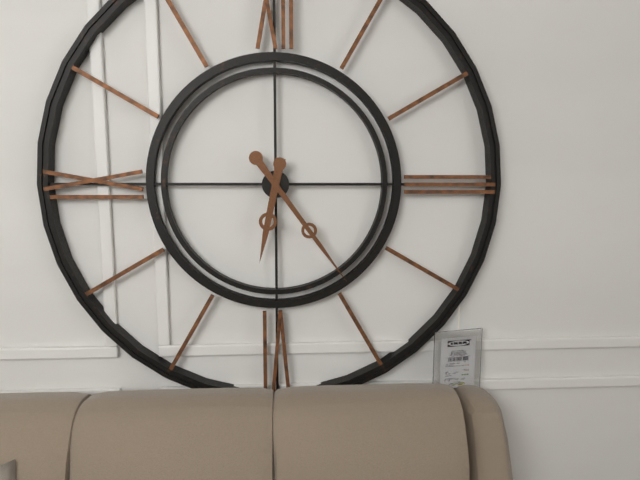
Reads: 6:24
